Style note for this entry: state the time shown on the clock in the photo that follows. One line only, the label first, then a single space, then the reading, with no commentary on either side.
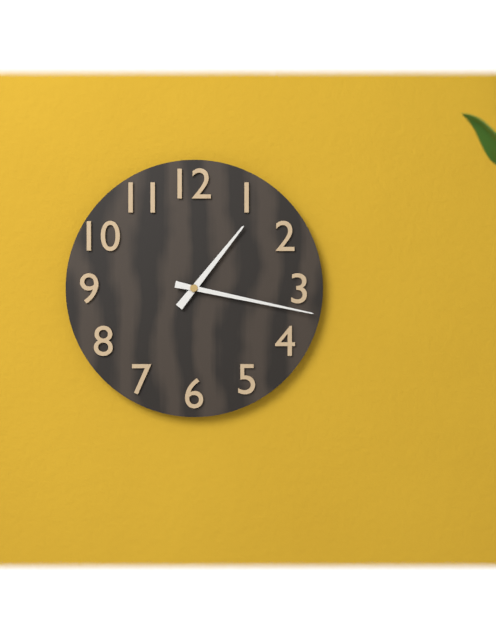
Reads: 1:17
